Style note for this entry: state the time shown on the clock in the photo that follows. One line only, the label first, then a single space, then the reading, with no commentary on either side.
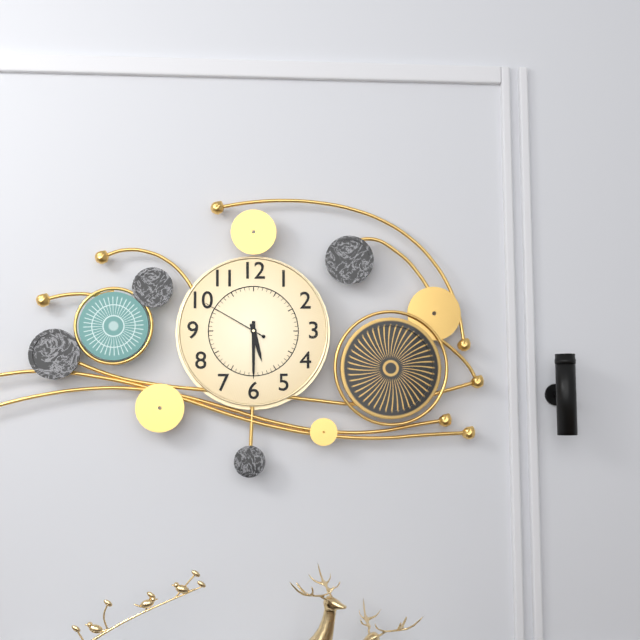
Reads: 5:30:50
